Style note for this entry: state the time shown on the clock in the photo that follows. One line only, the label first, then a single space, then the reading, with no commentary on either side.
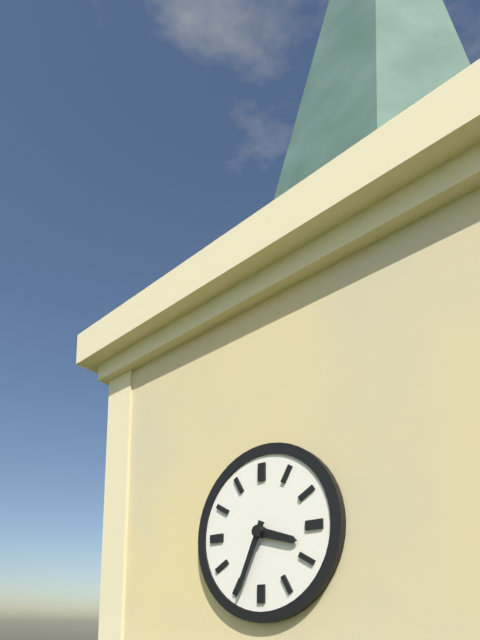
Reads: 3:34
